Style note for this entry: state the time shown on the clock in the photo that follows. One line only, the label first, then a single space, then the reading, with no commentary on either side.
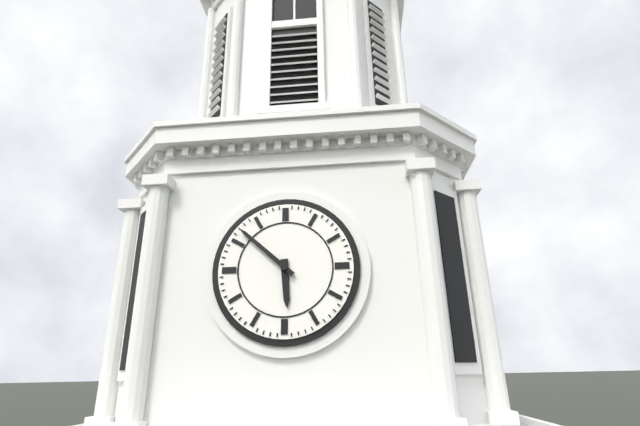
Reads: 5:52
